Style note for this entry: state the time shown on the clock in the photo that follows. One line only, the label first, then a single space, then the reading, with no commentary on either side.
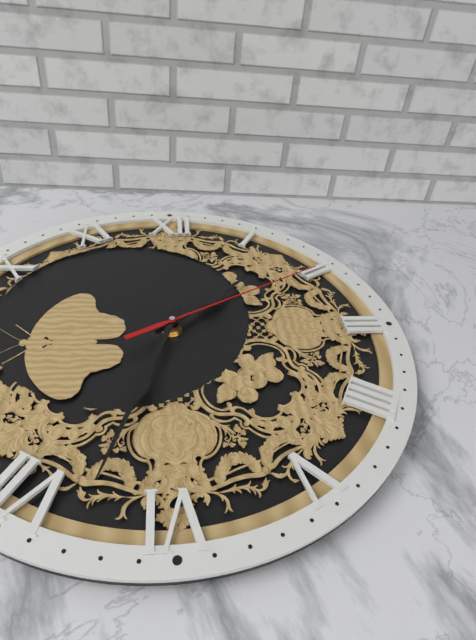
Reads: 1:33:10
